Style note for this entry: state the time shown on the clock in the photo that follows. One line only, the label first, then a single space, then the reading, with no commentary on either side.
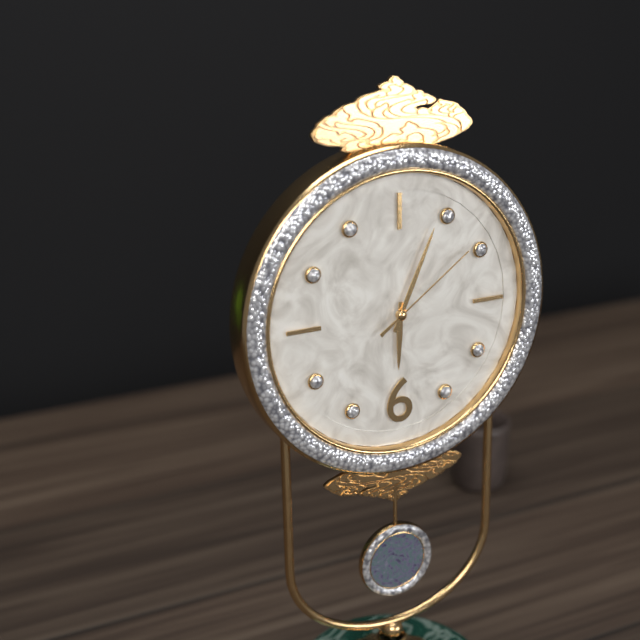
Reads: 6:04:09
